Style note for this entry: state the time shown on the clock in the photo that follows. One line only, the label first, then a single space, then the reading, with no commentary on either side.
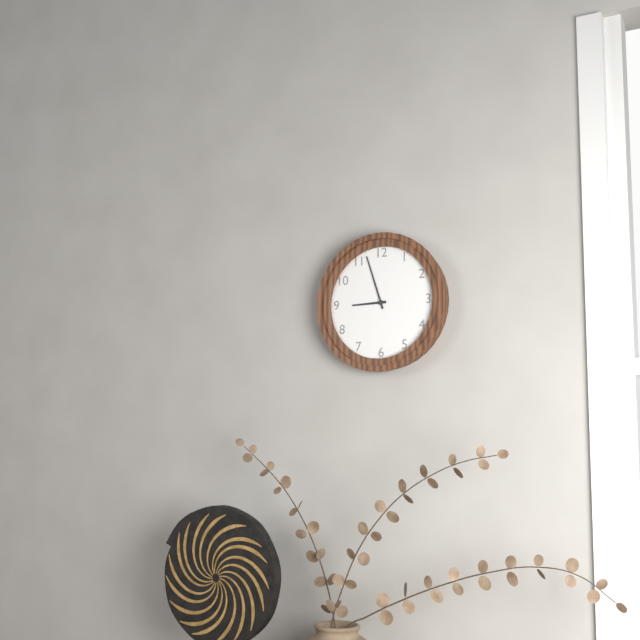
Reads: 8:57
